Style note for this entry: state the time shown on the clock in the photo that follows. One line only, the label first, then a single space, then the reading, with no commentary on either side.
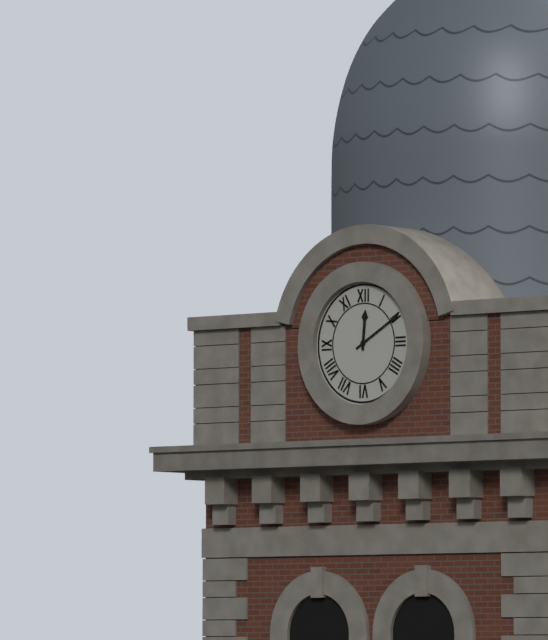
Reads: 12:10
